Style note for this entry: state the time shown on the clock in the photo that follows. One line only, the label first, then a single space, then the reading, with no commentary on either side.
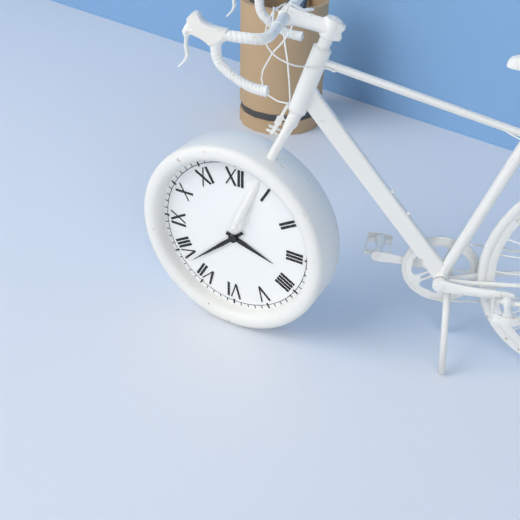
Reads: 3:38
